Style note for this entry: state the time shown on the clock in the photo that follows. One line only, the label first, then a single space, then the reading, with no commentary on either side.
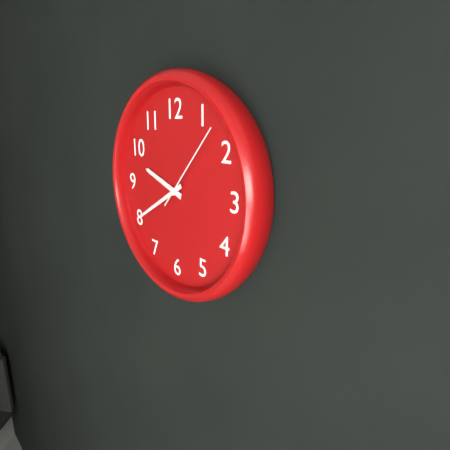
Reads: 9:40:07
